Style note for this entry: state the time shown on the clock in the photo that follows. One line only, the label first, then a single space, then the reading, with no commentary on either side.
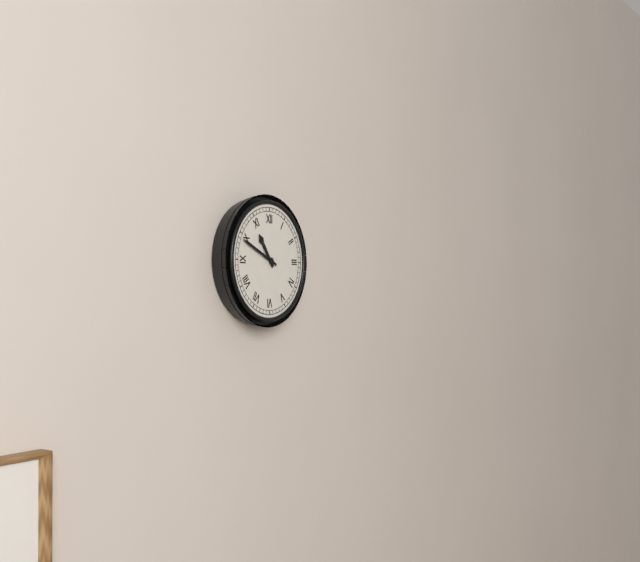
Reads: 10:49
